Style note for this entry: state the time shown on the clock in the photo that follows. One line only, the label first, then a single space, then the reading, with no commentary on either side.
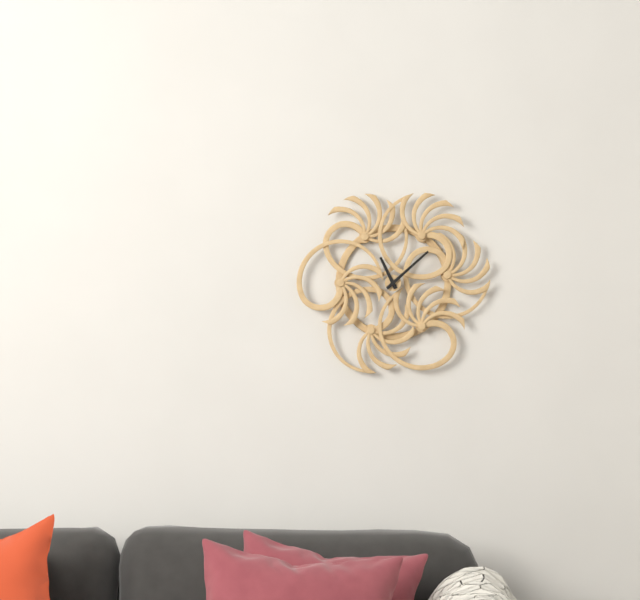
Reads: 11:08
